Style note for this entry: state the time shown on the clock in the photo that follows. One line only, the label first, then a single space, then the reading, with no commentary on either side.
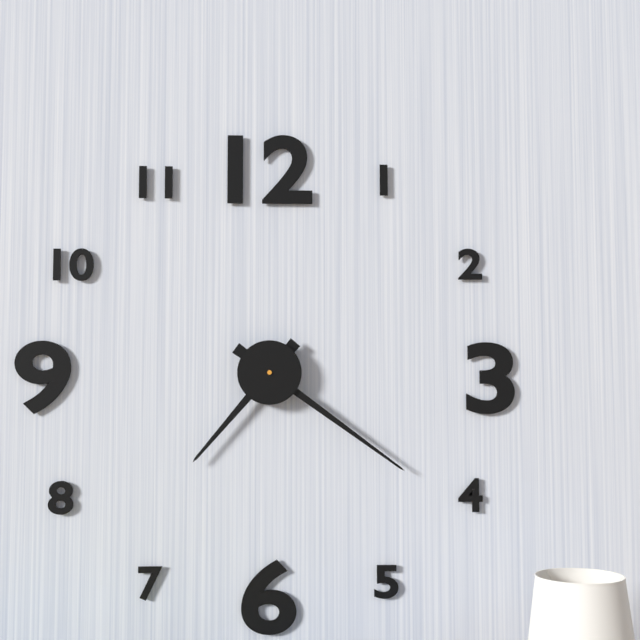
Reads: 7:21
